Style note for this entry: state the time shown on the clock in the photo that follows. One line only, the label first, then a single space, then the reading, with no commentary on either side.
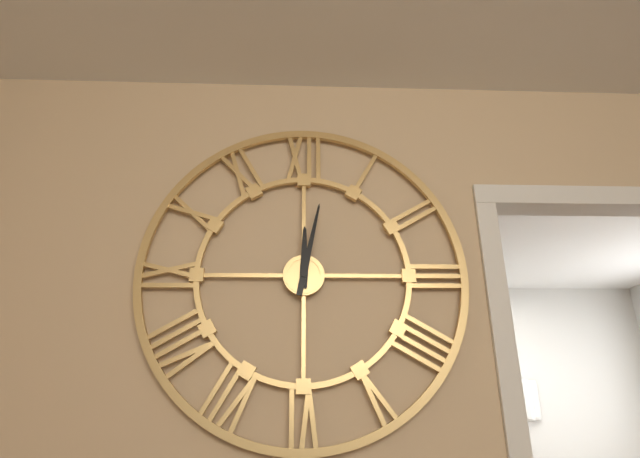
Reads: 12:02
